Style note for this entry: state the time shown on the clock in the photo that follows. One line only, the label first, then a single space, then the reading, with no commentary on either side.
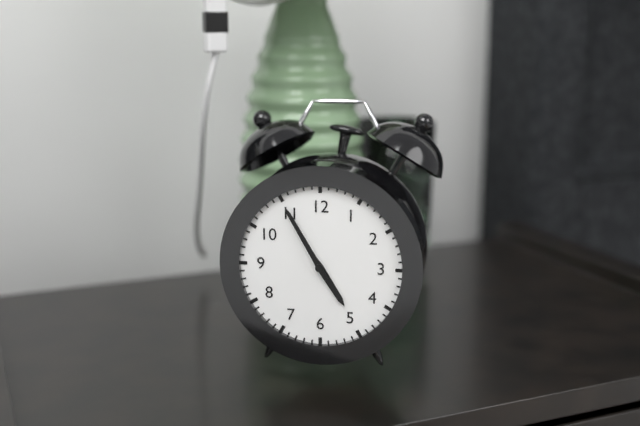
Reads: 4:55
